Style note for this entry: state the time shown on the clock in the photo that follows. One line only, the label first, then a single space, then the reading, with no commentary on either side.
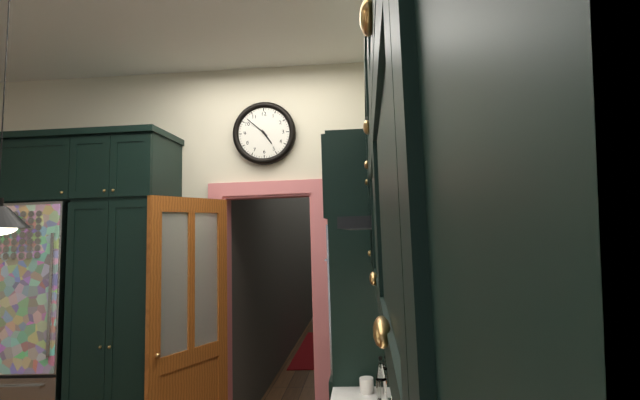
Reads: 4:52
